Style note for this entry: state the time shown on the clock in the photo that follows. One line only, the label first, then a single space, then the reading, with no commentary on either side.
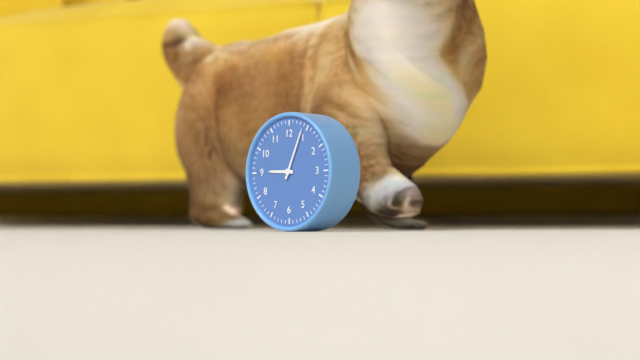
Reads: 9:04
